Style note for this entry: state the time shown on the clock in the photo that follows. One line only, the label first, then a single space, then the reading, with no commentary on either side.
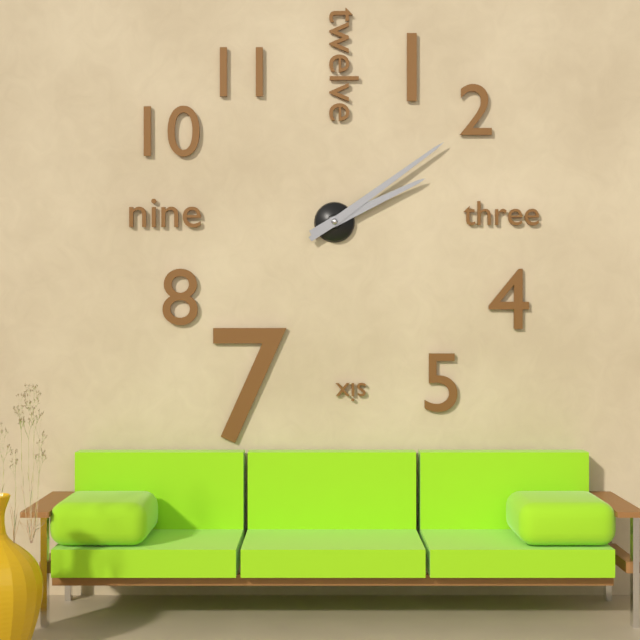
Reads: 2:09
